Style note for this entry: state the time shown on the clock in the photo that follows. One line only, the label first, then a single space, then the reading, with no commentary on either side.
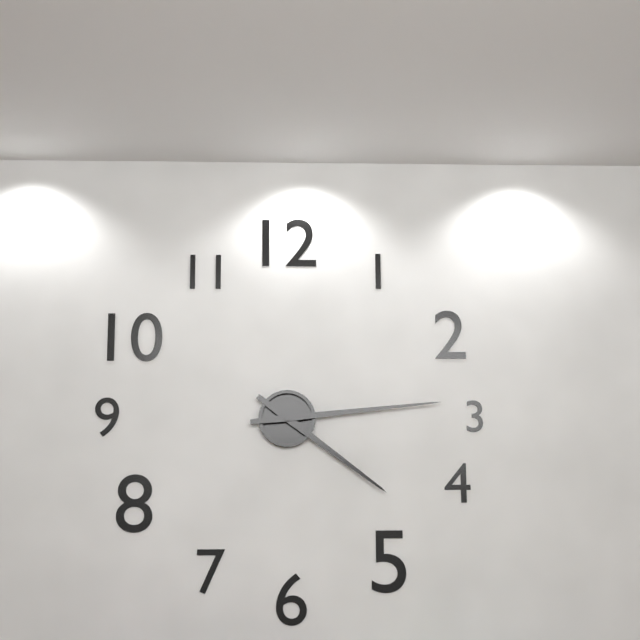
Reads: 4:14
